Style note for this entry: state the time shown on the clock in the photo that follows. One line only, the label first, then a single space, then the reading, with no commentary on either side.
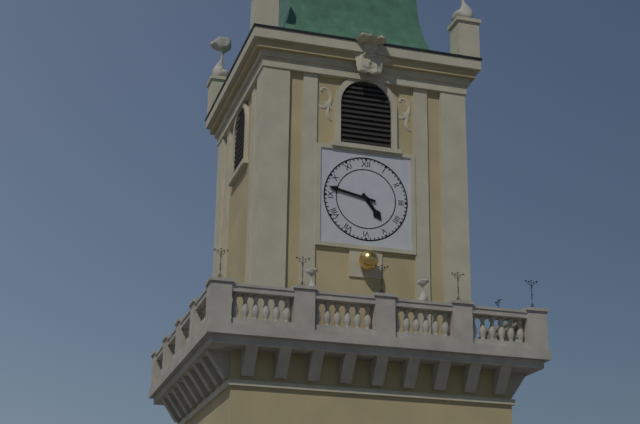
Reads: 4:47
